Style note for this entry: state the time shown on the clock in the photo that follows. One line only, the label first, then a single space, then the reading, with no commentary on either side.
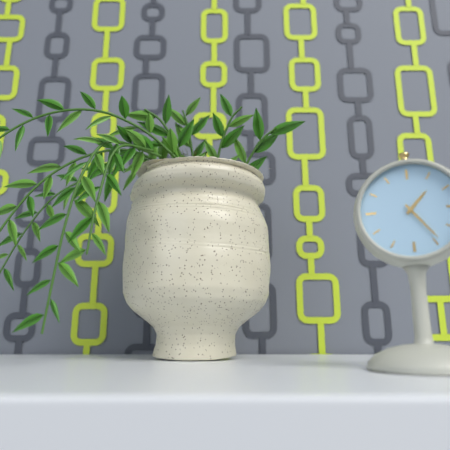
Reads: 1:24
